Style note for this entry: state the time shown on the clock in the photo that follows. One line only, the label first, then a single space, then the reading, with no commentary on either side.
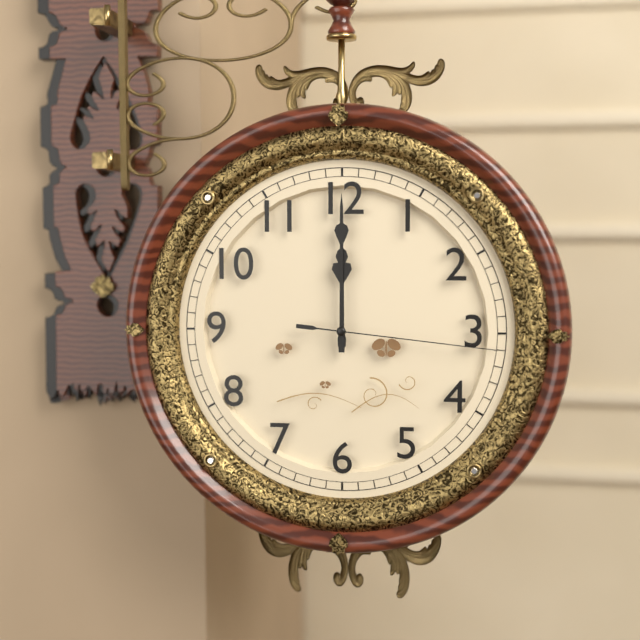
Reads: 12:00:16
